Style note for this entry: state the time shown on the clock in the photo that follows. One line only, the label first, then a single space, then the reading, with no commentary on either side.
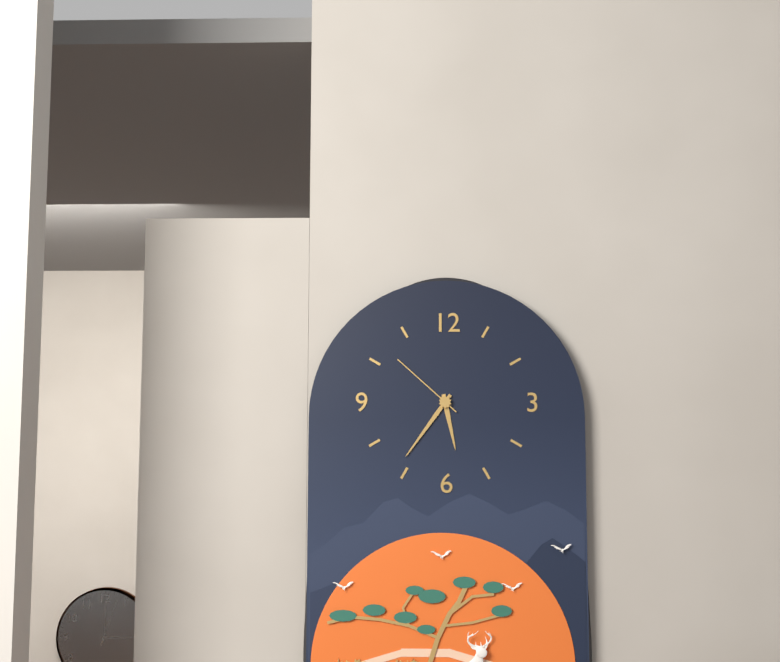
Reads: 5:36:52
